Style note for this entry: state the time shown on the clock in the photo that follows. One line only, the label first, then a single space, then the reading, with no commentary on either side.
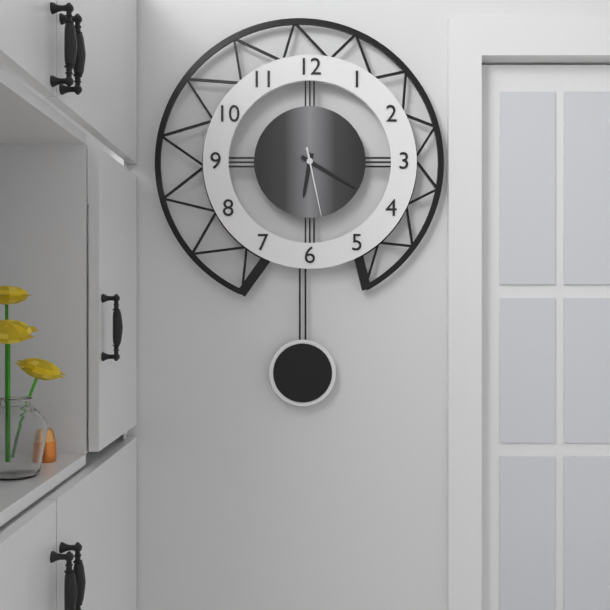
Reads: 6:20:28
